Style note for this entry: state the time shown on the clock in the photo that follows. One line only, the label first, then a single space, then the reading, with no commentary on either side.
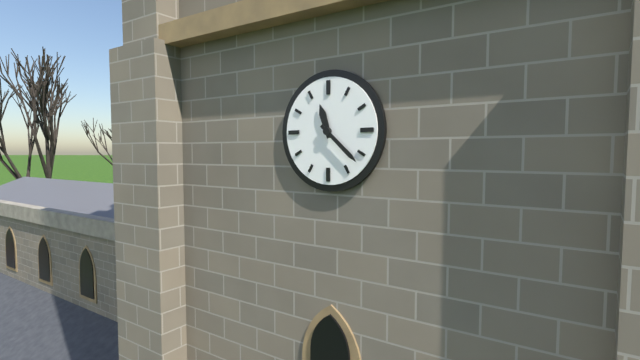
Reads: 11:22
